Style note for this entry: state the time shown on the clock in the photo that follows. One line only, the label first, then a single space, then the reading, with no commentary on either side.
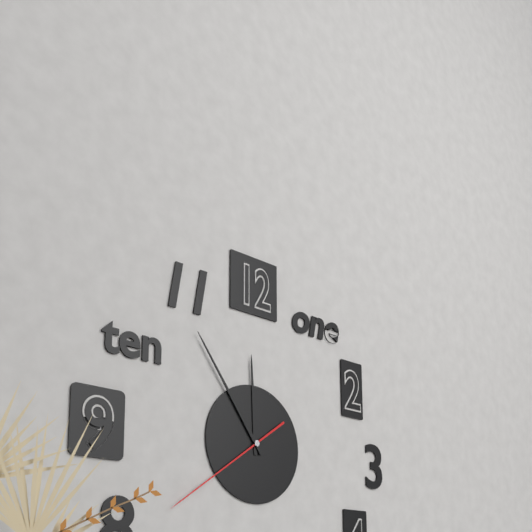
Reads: 11:54:39
